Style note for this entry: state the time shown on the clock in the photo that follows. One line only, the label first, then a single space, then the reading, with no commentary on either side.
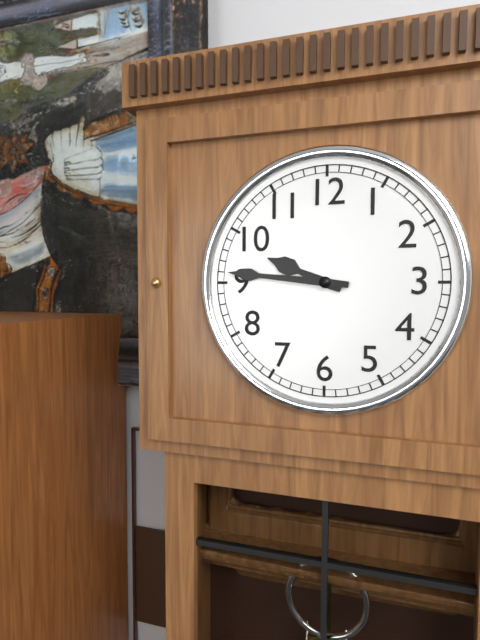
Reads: 9:46
